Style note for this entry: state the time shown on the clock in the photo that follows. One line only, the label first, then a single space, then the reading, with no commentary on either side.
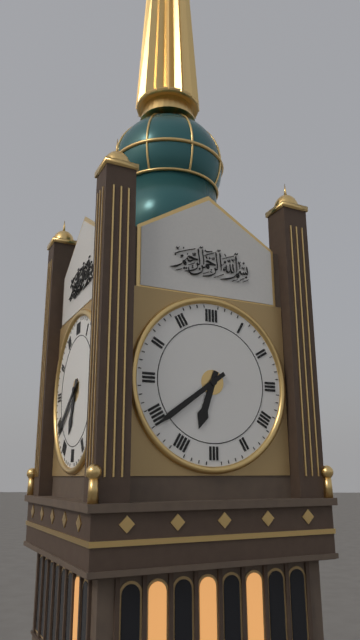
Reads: 6:39
